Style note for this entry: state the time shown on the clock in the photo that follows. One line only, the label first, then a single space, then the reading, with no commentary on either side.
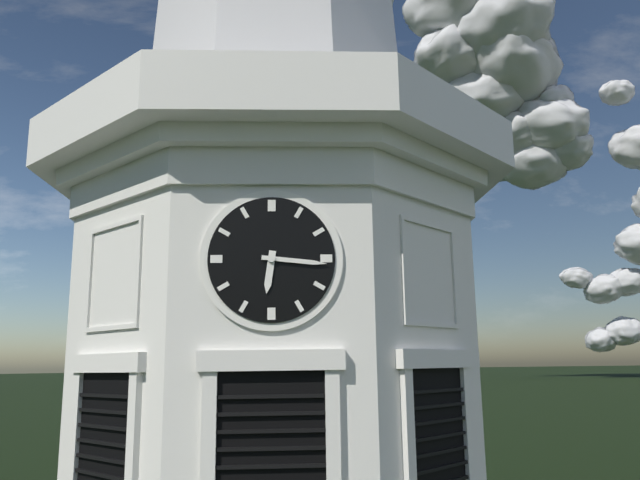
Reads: 6:16
